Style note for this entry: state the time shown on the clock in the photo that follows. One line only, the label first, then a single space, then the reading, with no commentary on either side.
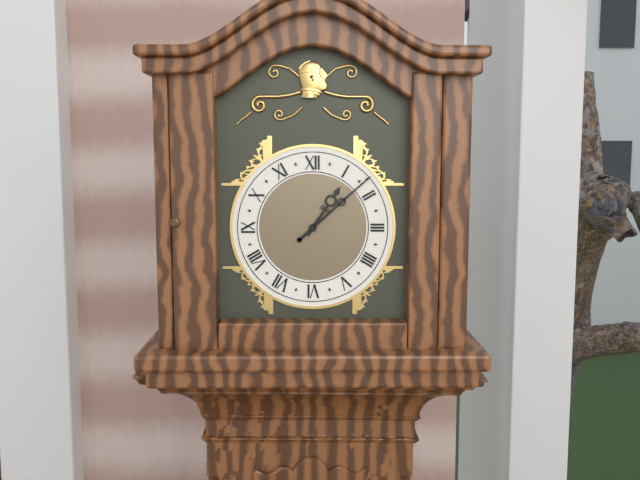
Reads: 1:08
